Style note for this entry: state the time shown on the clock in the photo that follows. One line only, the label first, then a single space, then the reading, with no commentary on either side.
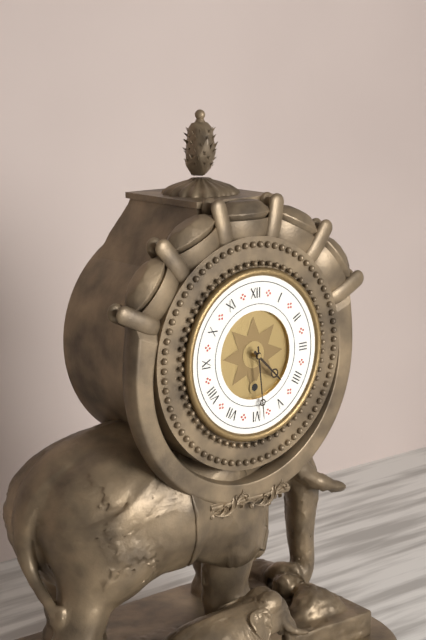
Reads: 4:29
